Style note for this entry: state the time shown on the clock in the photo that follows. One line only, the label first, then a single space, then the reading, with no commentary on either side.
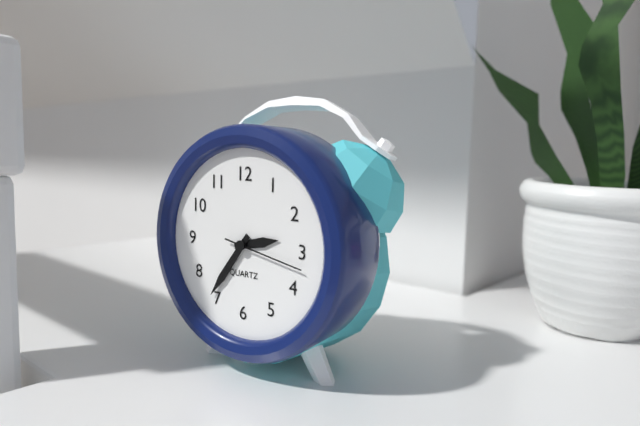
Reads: 2:36:17
